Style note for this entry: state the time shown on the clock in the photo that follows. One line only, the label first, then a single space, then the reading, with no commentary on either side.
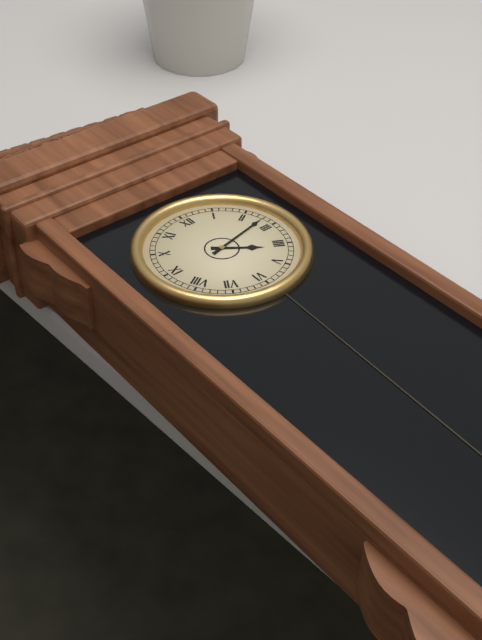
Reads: 4:13
